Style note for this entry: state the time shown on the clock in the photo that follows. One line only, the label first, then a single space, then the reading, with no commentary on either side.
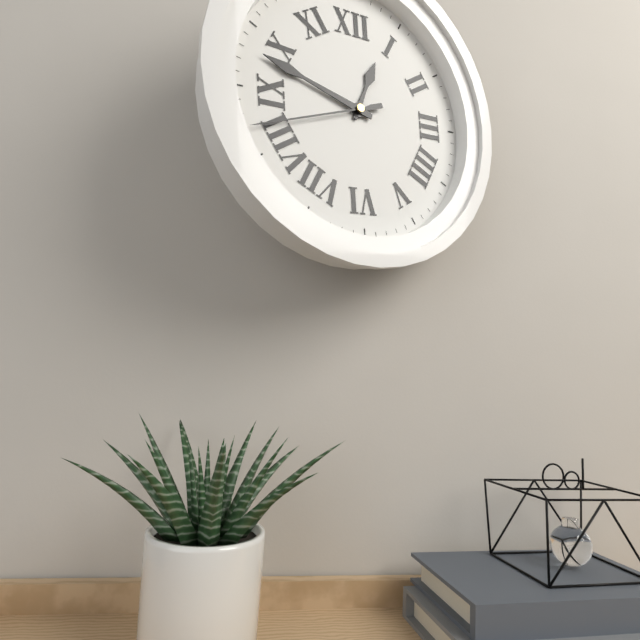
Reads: 12:48:42
